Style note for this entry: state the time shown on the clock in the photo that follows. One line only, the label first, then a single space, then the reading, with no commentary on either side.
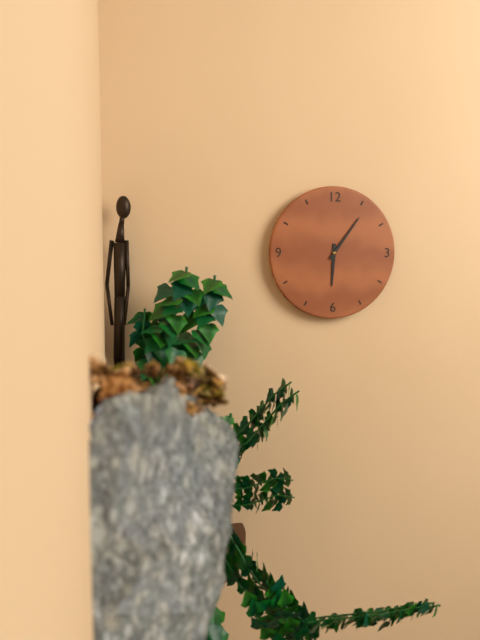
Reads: 6:06
